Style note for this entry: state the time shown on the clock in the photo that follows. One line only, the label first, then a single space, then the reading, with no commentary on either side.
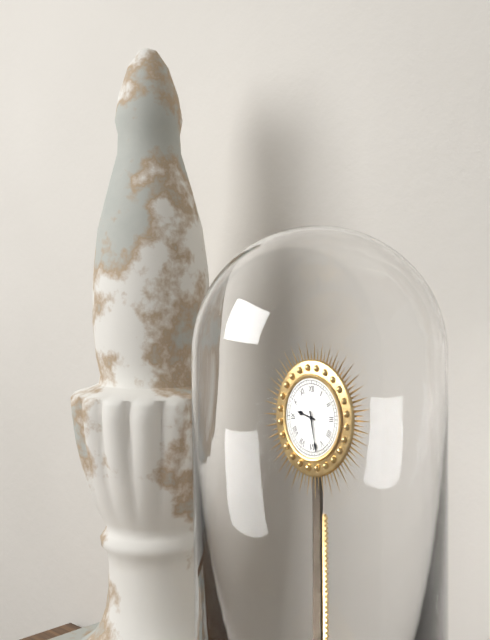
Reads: 9:28
